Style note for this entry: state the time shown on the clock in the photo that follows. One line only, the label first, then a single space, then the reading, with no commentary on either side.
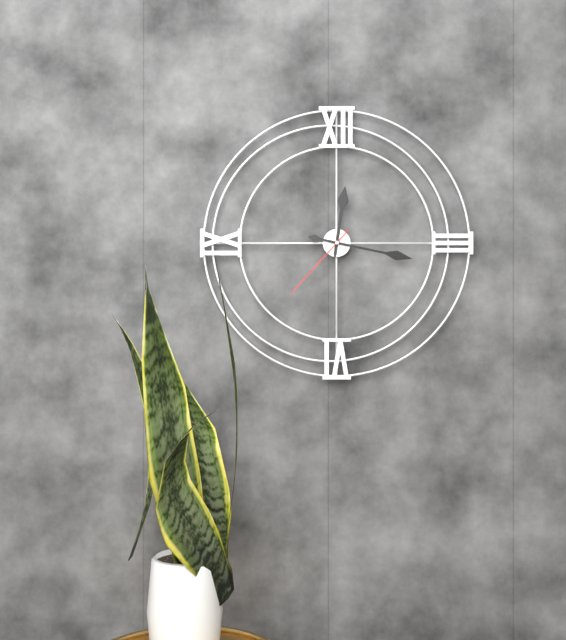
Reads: 12:17:37
